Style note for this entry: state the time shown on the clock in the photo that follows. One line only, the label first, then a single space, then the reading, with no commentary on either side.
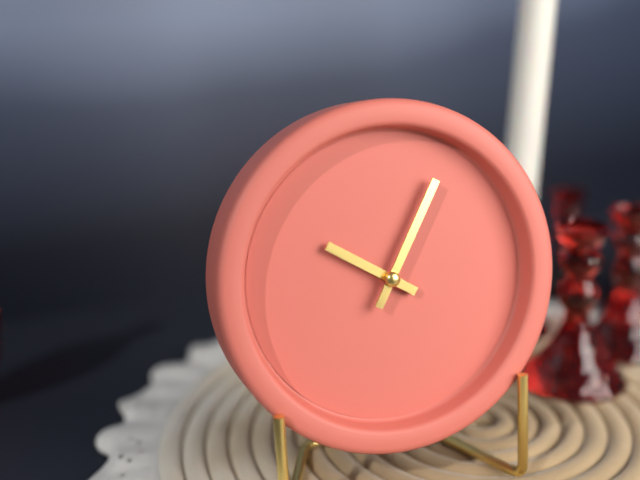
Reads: 10:05
